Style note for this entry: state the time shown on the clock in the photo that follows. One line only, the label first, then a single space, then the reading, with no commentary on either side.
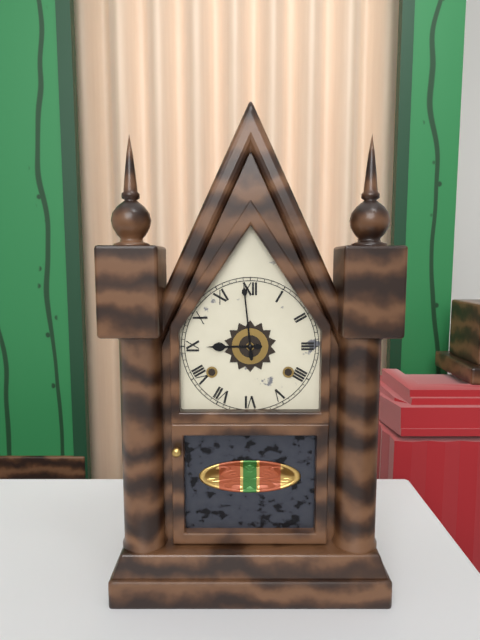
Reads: 8:59
